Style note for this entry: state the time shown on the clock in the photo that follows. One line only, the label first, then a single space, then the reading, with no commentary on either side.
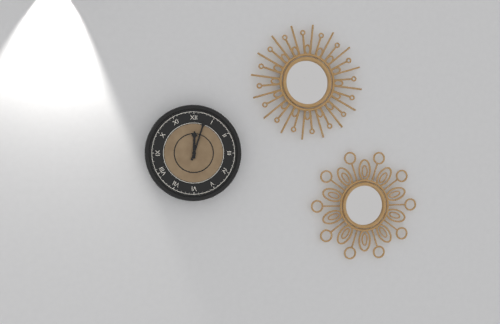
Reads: 12:03
